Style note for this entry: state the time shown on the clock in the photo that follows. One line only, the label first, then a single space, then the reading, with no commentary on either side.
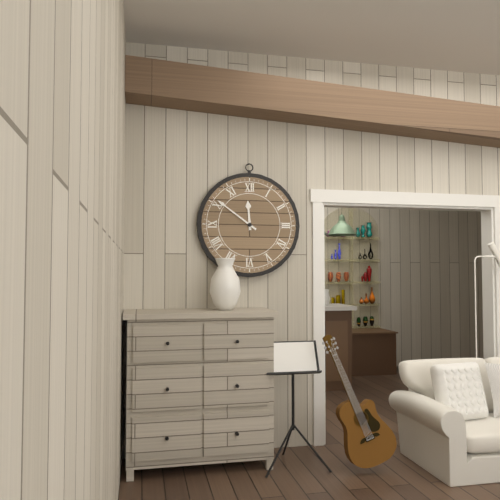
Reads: 11:51
